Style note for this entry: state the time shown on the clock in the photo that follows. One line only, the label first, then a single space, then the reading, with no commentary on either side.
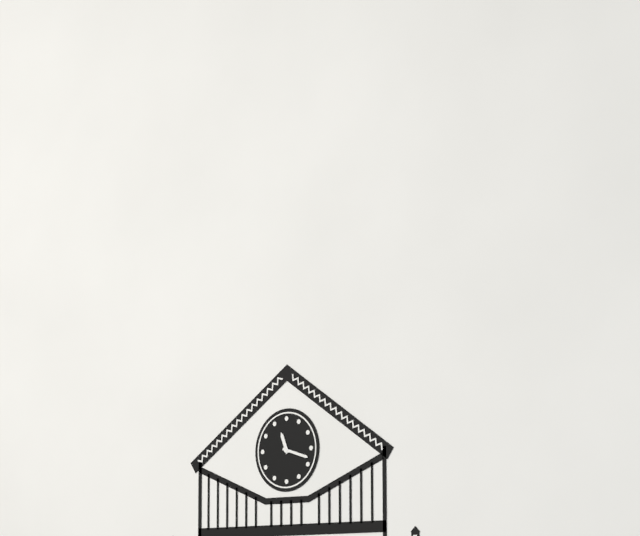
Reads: 11:18
